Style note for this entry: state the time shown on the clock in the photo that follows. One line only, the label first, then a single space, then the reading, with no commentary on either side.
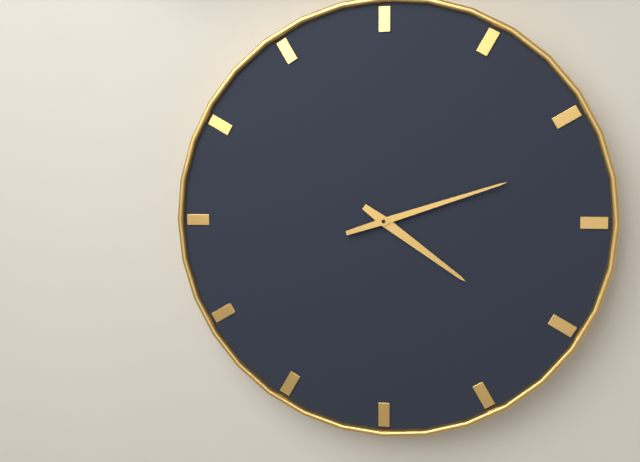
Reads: 4:12
